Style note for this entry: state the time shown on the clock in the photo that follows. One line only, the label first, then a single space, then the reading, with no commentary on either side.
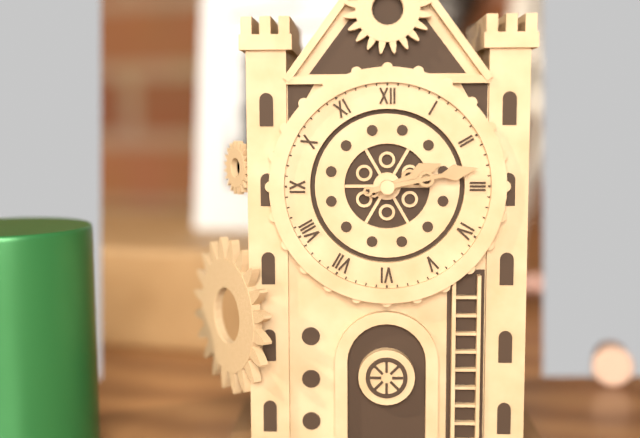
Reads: 2:13
